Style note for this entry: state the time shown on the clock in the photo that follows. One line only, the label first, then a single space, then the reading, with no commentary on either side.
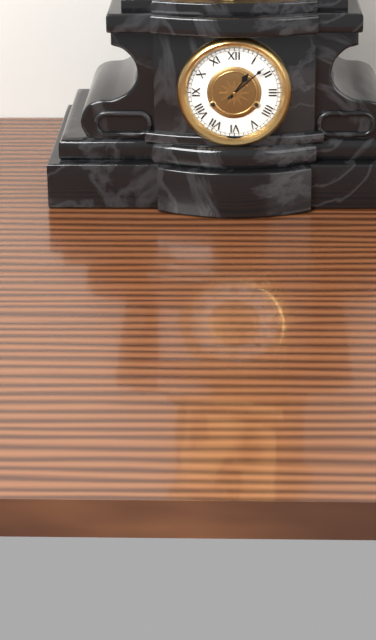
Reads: 1:08
